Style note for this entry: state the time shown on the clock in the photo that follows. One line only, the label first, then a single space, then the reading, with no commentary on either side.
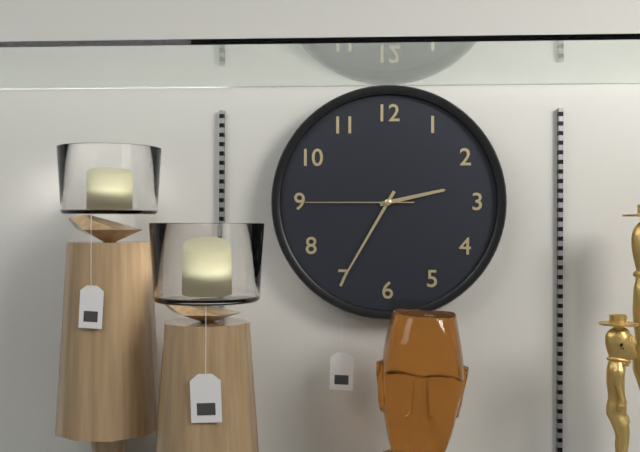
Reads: 2:35:45
